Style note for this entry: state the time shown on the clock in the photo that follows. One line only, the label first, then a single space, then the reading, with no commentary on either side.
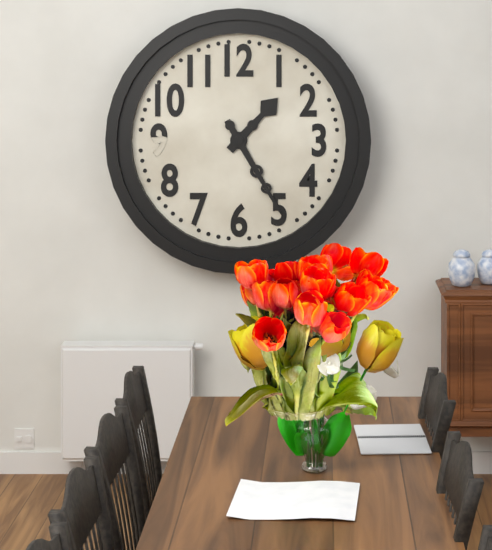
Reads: 1:25
